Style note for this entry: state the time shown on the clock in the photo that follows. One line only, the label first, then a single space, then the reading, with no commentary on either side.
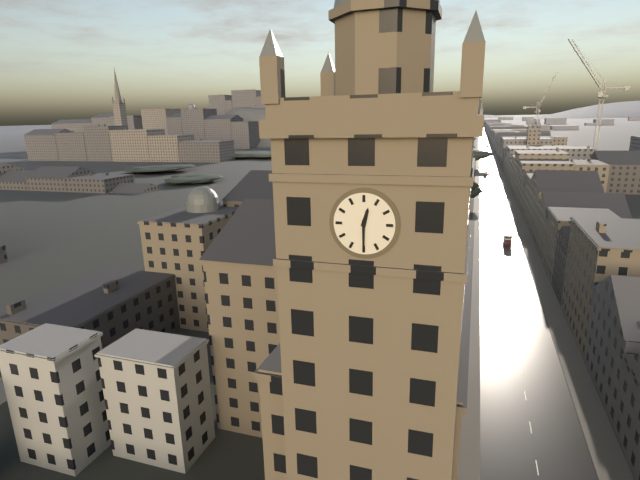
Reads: 12:30
